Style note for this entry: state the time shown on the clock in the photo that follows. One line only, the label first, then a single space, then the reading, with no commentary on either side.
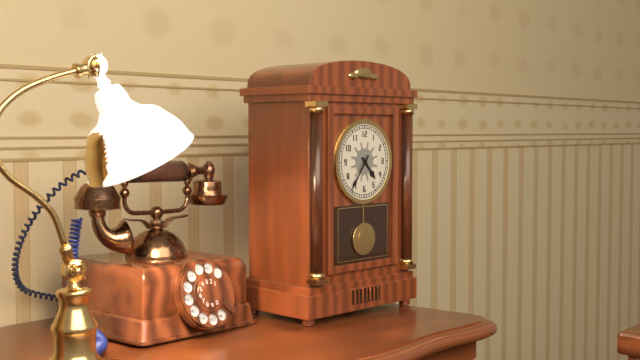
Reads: 4:36
